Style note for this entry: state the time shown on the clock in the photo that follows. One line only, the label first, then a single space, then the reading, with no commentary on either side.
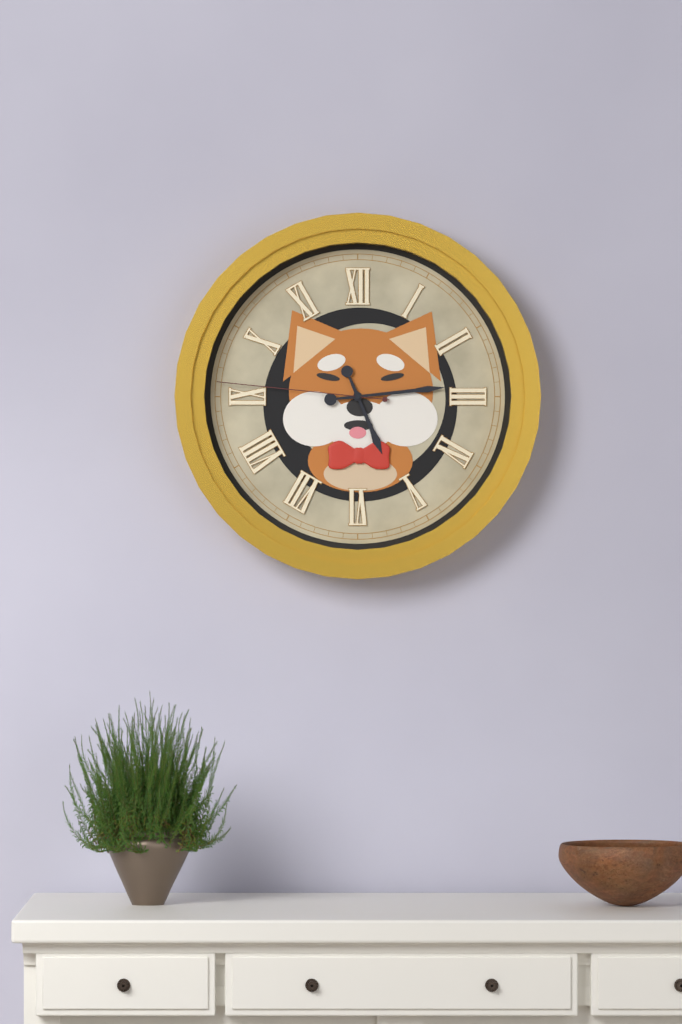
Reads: 5:14:46
